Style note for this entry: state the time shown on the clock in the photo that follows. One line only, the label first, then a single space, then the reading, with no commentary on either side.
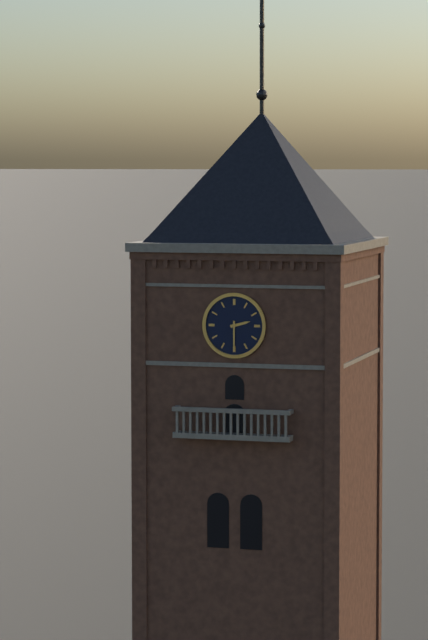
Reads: 2:30
